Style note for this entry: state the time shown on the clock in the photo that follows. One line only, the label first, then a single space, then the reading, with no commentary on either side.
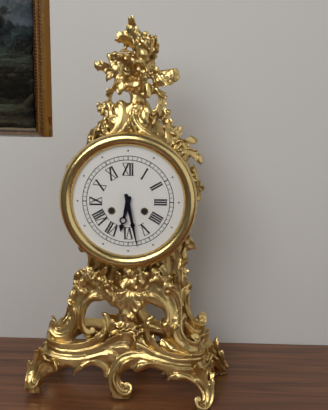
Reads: 6:28
